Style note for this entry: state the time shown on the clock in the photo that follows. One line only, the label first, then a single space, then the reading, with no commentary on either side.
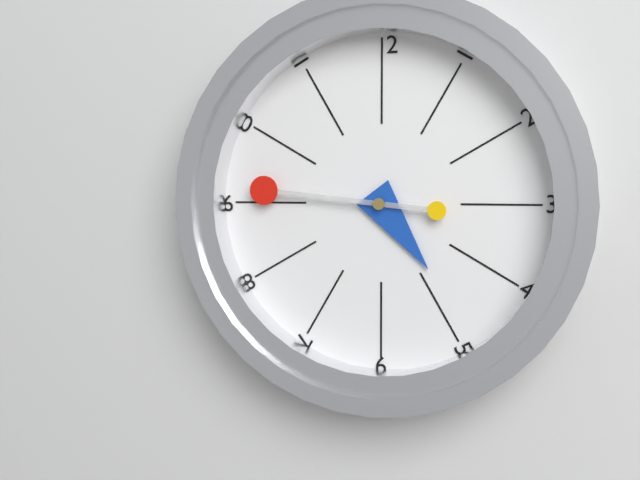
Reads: 4:46
